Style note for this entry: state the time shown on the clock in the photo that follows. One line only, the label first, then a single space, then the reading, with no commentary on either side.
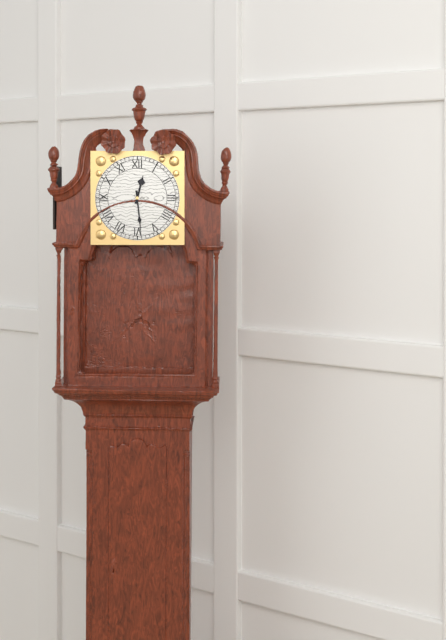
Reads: 12:29
